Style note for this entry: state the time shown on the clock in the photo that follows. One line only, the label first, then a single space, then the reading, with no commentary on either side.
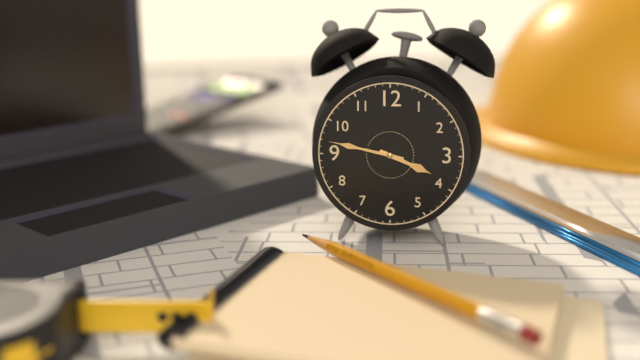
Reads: 3:47
